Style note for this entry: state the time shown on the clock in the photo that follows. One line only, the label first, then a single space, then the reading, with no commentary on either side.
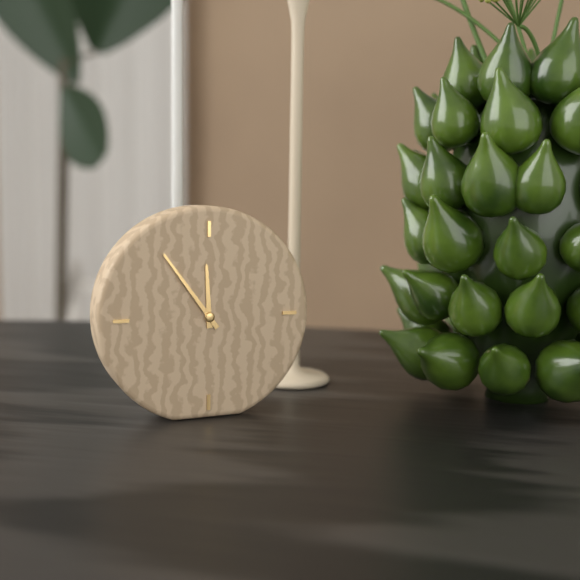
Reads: 11:54
